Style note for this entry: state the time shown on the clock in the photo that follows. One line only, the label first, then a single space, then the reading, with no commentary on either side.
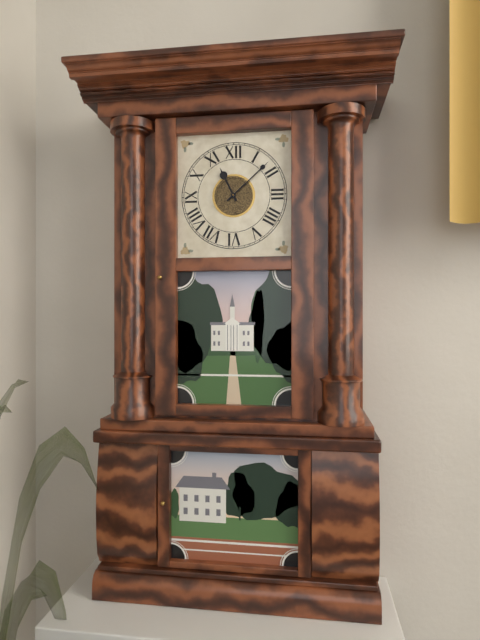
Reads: 11:08
